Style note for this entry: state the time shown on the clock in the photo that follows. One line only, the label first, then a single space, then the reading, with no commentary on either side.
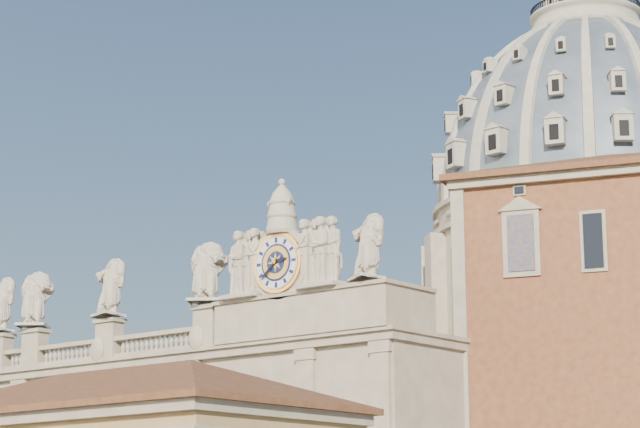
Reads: 2:38
